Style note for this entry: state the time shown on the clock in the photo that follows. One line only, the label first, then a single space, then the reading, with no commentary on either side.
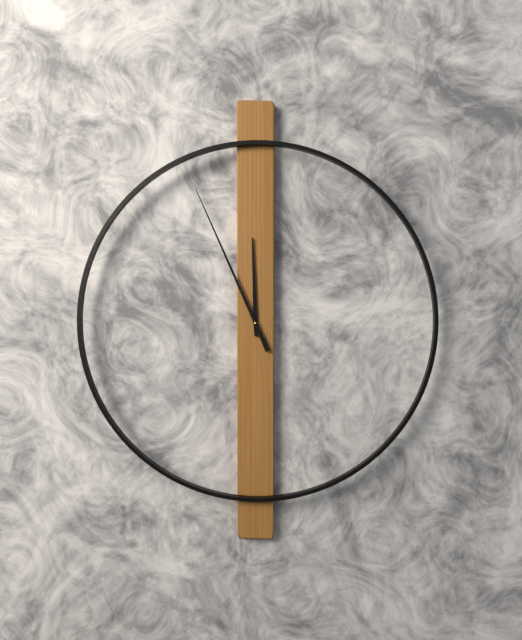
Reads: 11:56
